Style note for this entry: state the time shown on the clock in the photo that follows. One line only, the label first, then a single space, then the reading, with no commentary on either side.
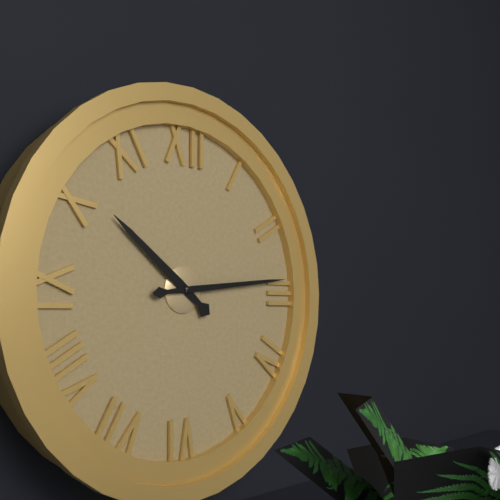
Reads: 10:14
